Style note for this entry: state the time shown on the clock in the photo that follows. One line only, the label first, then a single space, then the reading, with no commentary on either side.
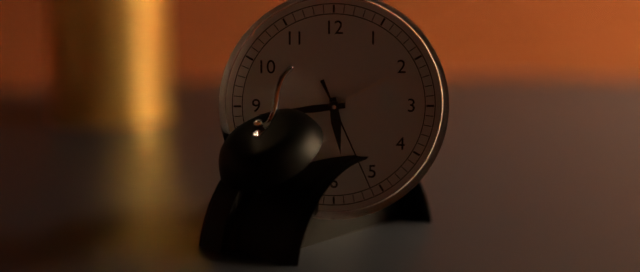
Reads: 5:44:26
